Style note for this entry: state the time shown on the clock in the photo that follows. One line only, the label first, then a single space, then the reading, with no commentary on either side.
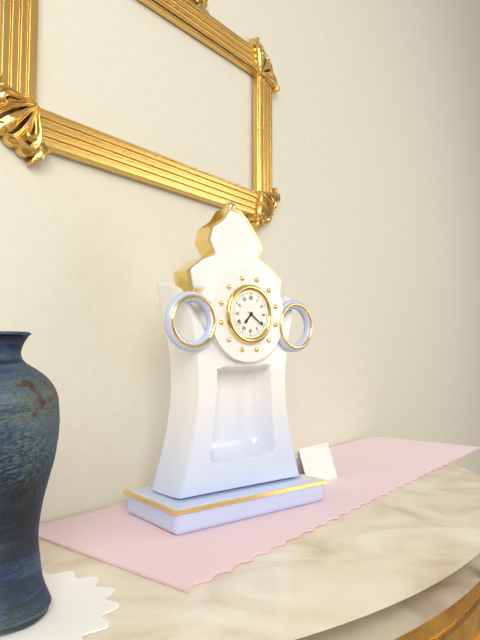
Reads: 7:21
